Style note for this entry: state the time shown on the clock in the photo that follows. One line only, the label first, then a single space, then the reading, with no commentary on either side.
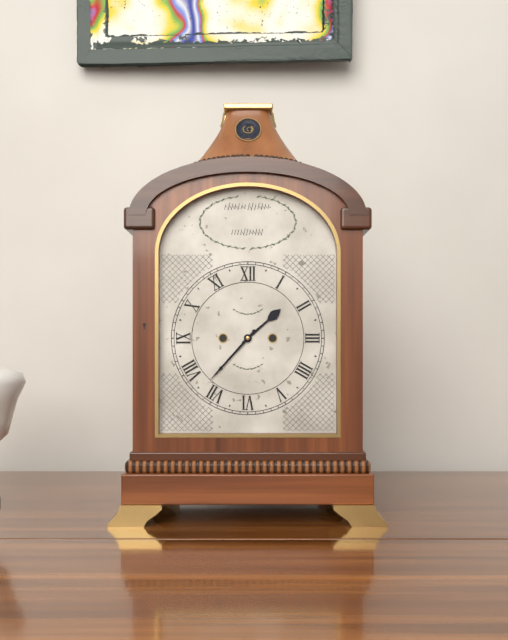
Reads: 1:37
